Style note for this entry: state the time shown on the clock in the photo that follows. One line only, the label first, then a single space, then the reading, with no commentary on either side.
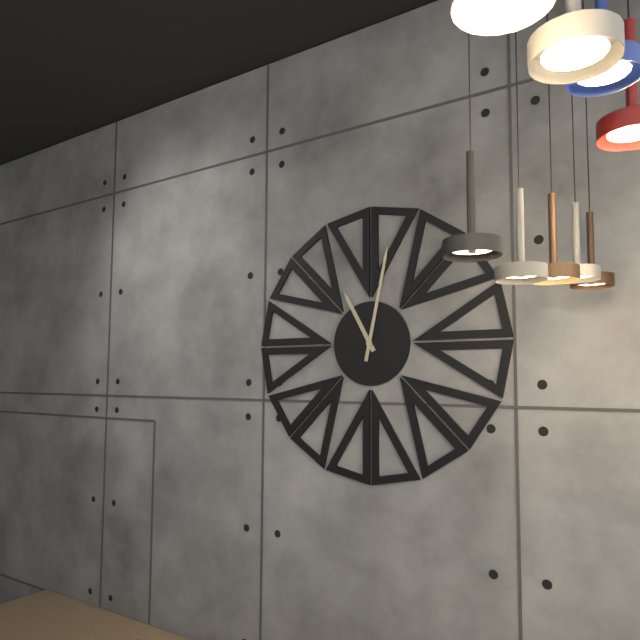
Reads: 11:02
